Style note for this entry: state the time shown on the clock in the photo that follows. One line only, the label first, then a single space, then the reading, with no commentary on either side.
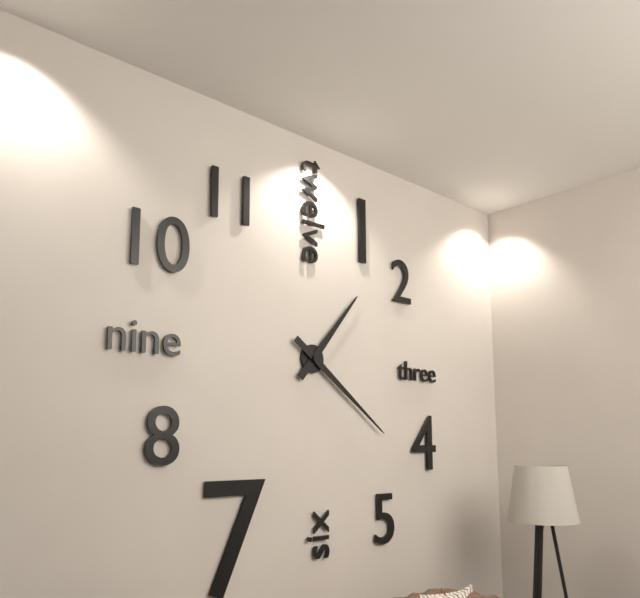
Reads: 1:21
